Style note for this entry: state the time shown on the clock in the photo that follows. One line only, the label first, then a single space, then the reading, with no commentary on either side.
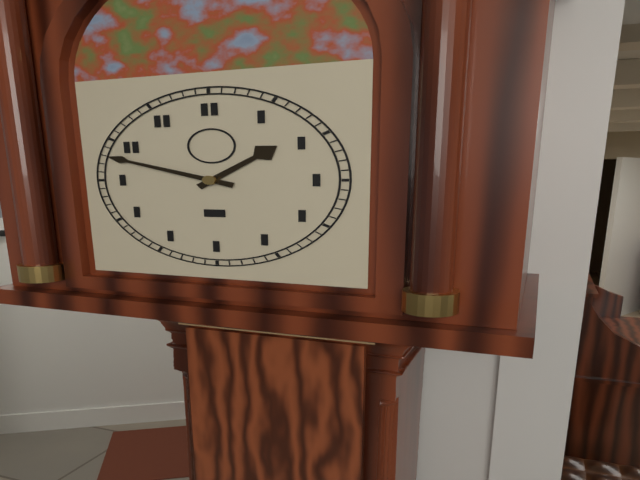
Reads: 1:48
